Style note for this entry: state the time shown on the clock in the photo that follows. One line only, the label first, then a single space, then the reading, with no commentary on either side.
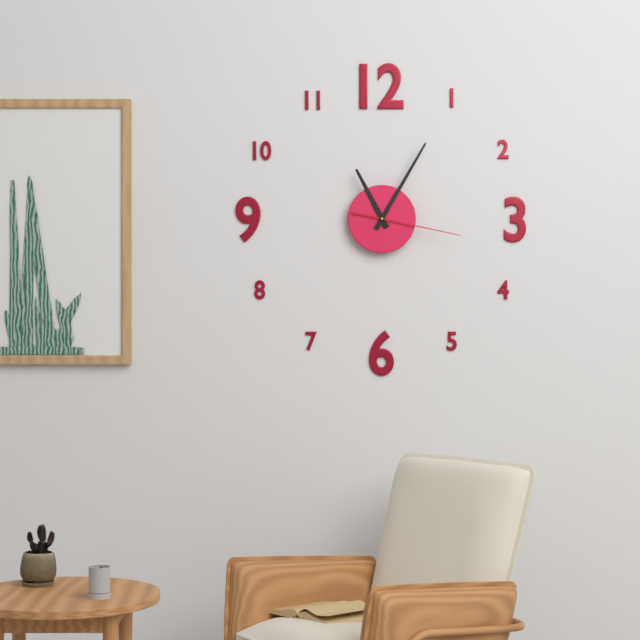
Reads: 11:05:17
